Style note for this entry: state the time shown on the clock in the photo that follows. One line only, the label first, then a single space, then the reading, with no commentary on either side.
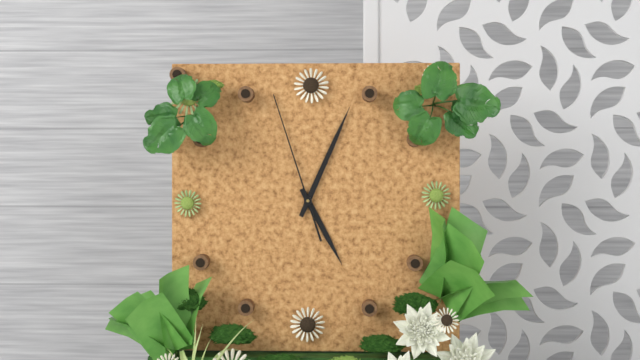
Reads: 5:04:57
